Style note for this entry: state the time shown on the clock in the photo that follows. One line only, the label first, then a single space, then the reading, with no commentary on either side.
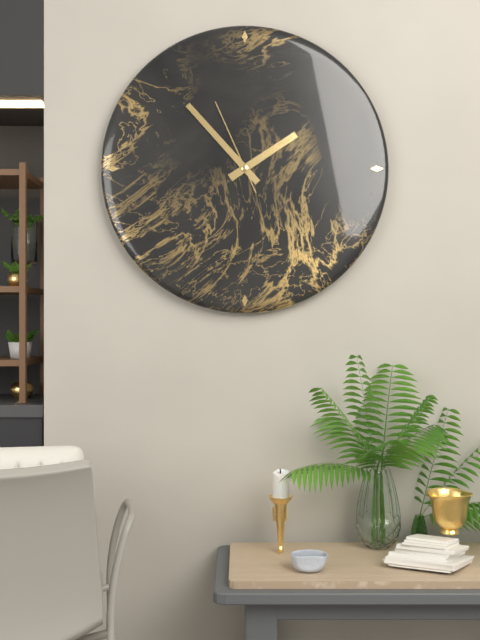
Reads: 1:53:56
